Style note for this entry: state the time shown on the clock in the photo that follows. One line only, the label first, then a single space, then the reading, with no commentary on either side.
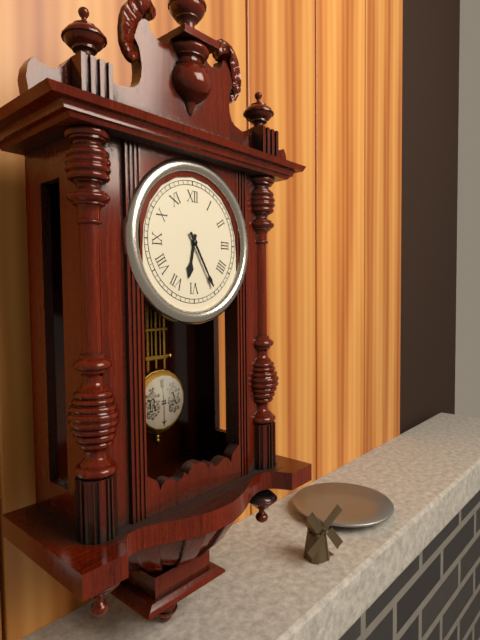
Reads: 6:25
